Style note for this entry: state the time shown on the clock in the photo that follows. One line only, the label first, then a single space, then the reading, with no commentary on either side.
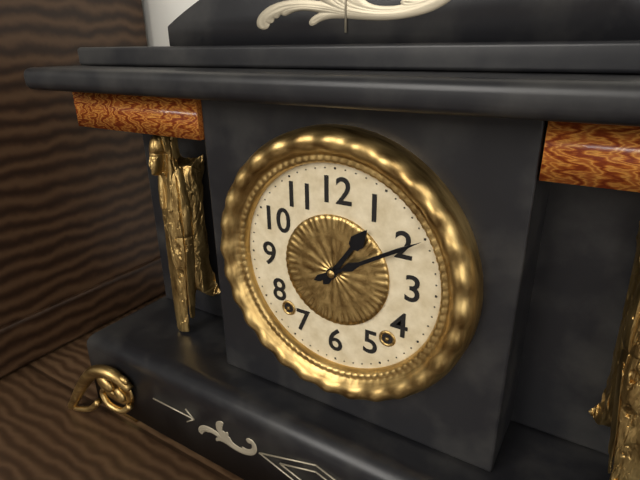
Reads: 1:10
